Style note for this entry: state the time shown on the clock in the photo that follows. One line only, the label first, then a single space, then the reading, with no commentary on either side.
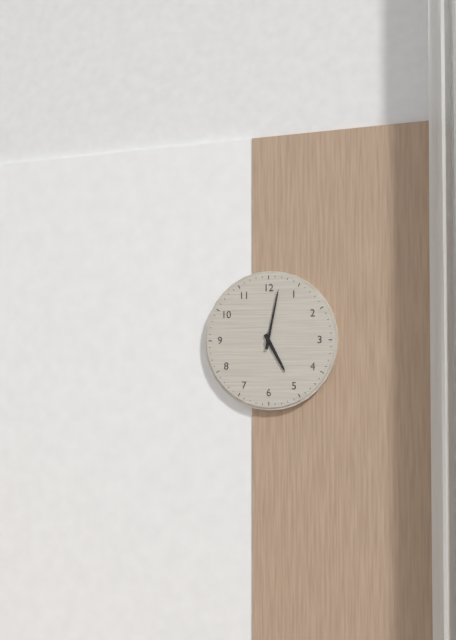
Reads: 5:02
